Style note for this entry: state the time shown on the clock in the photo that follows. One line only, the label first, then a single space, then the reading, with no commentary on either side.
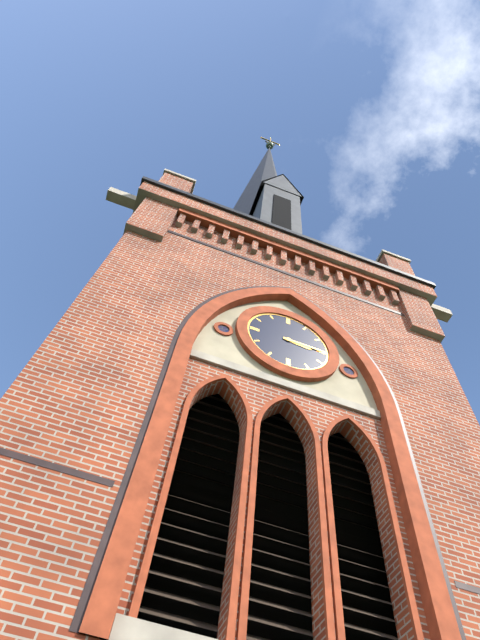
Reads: 3:15
